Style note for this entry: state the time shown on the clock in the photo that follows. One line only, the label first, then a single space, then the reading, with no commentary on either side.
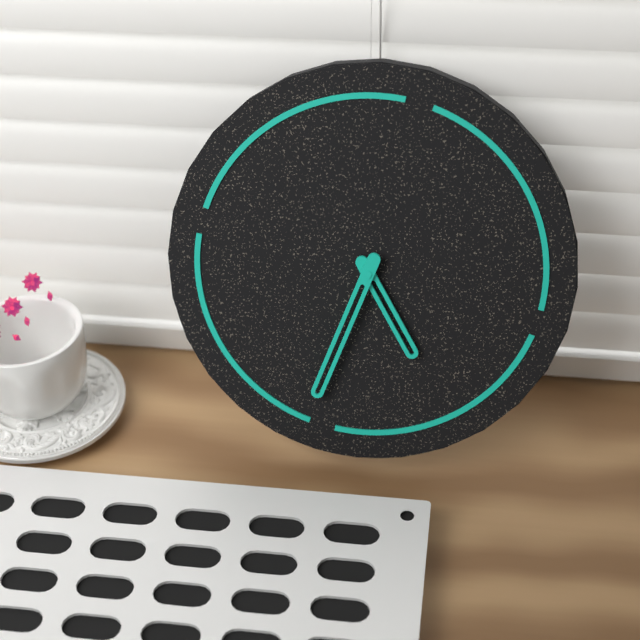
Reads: 4:31
